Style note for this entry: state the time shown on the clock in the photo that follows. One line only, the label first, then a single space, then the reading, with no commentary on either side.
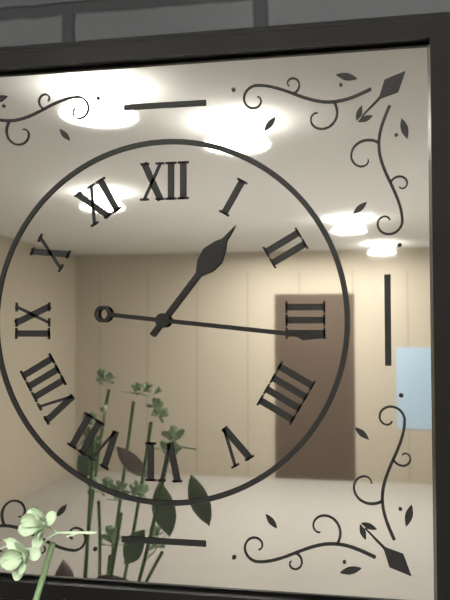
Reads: 1:16
